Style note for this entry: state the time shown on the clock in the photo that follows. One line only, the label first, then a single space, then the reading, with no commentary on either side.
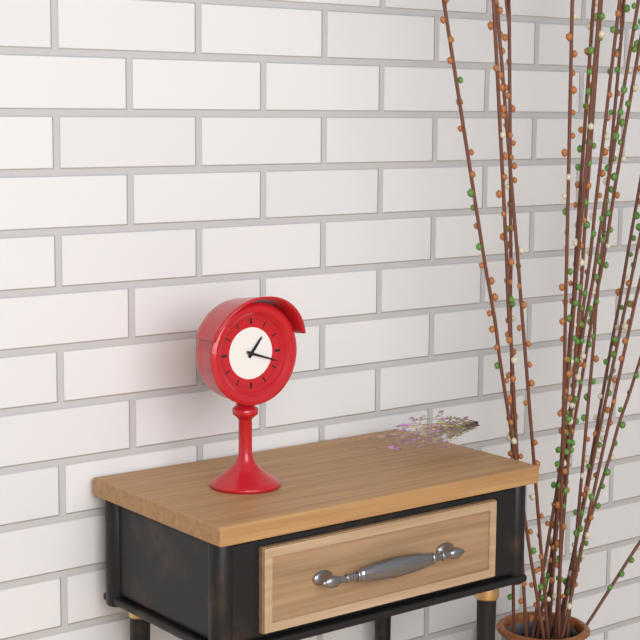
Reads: 1:18
